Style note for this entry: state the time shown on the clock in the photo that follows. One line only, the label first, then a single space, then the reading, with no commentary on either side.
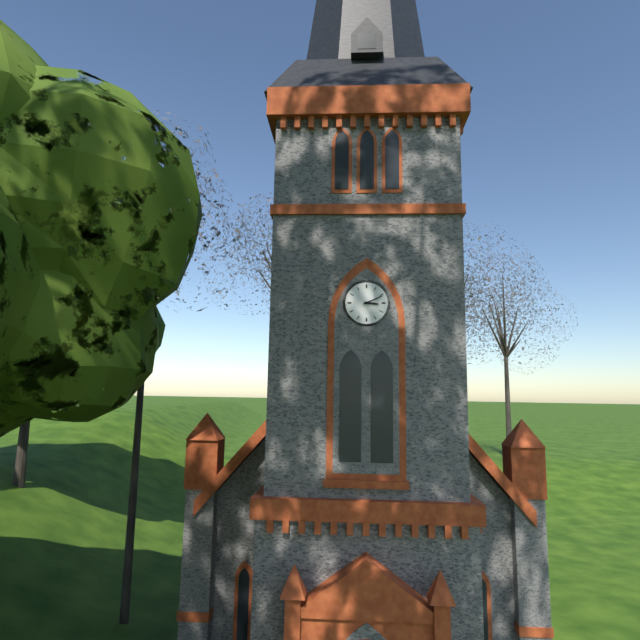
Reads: 3:11
